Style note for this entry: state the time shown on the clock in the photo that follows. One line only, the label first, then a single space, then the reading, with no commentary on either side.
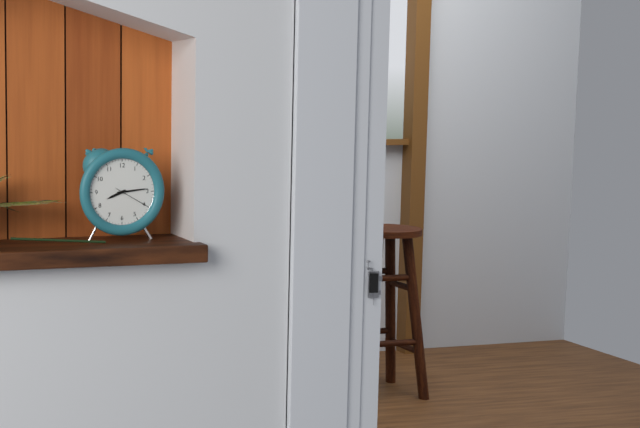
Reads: 8:14
